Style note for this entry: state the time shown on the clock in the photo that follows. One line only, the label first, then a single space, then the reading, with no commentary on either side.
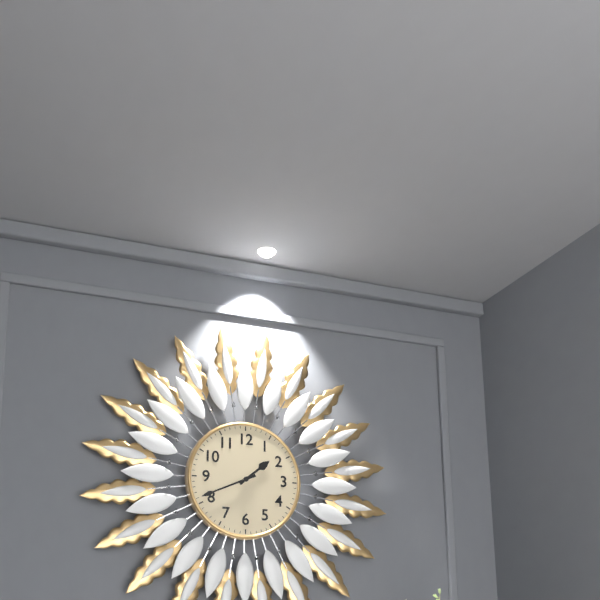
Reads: 1:41
